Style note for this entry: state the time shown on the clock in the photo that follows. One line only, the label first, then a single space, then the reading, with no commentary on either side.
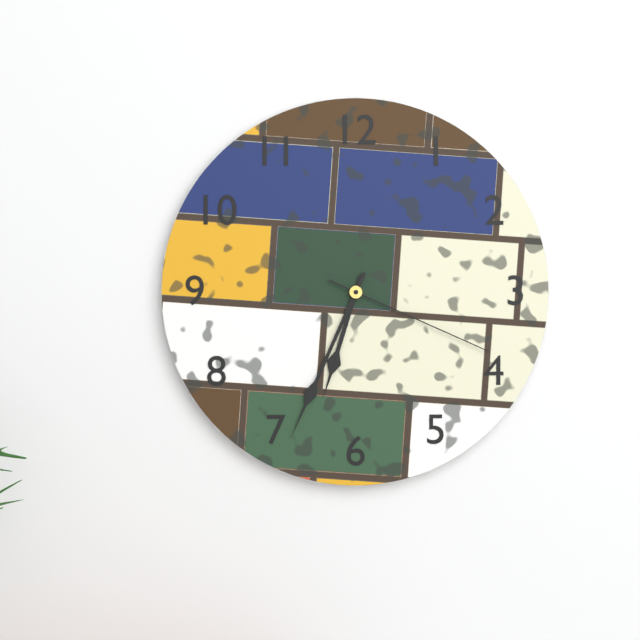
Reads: 6:34:19
